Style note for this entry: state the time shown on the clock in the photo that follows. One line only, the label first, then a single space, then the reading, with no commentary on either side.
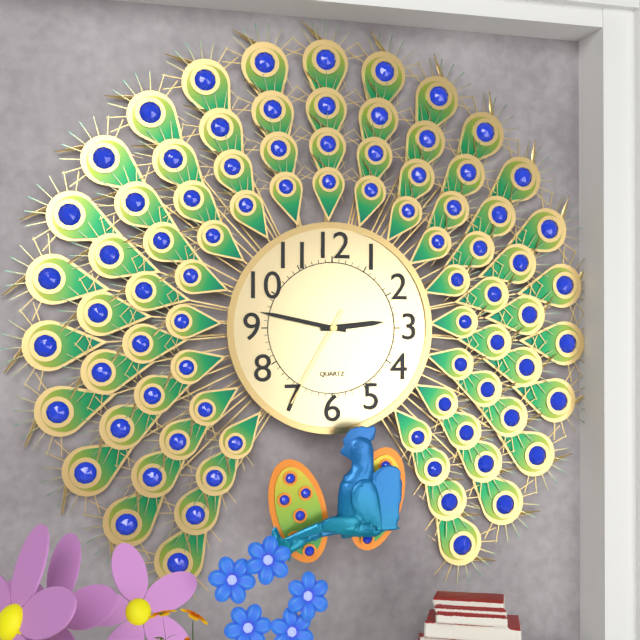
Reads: 2:47:35
